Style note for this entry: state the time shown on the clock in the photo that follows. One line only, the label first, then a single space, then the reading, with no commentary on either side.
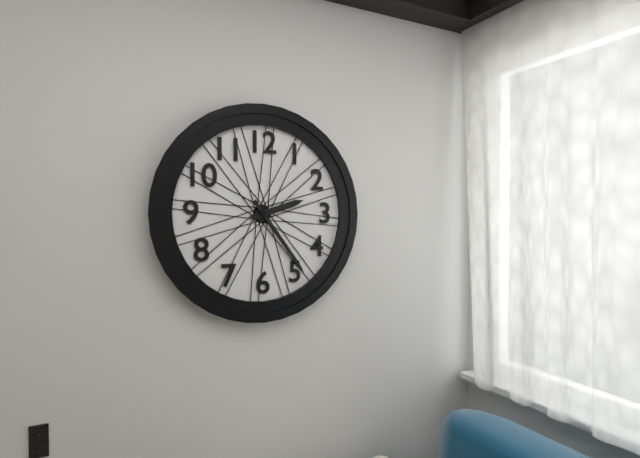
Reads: 2:24
